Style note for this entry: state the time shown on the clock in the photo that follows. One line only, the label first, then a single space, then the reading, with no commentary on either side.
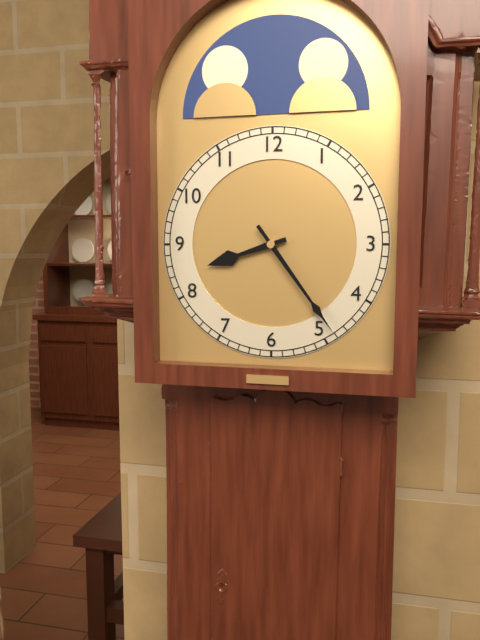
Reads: 8:24
